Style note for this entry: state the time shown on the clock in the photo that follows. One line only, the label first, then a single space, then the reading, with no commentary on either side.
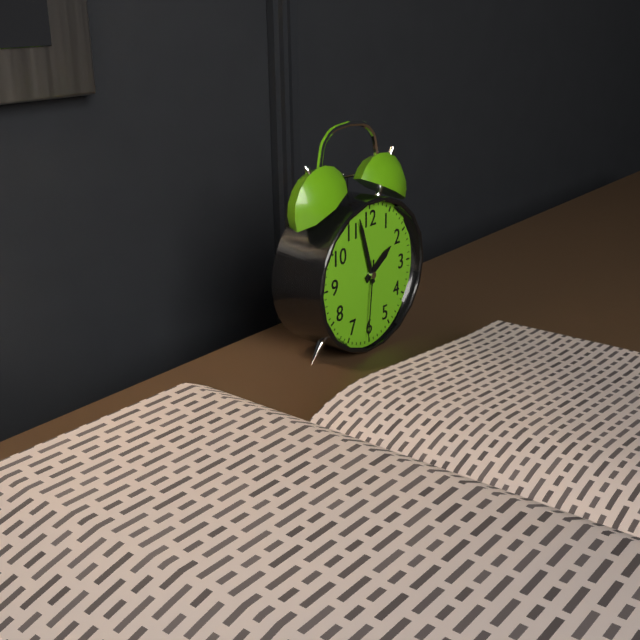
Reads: 1:57:31
